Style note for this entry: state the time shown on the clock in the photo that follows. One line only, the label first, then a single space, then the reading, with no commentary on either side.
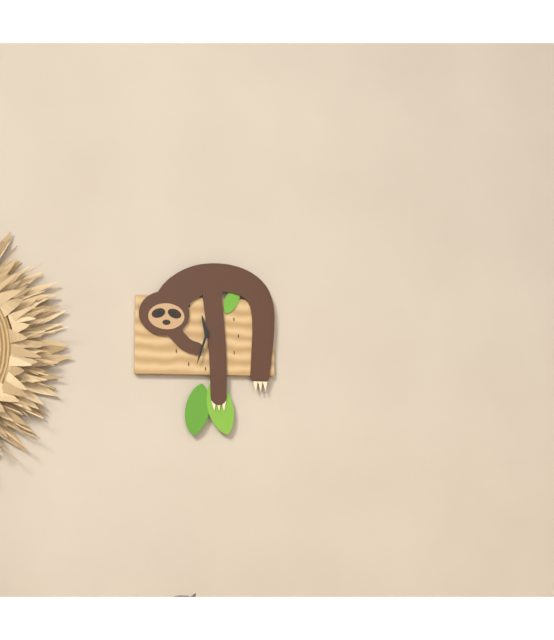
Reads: 11:33
